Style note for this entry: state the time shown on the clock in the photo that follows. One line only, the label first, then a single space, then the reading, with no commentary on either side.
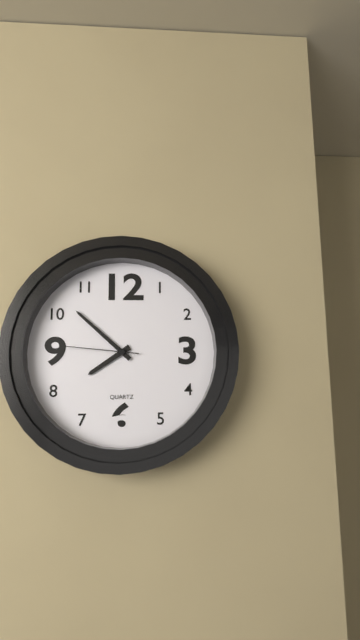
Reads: 7:52:46
